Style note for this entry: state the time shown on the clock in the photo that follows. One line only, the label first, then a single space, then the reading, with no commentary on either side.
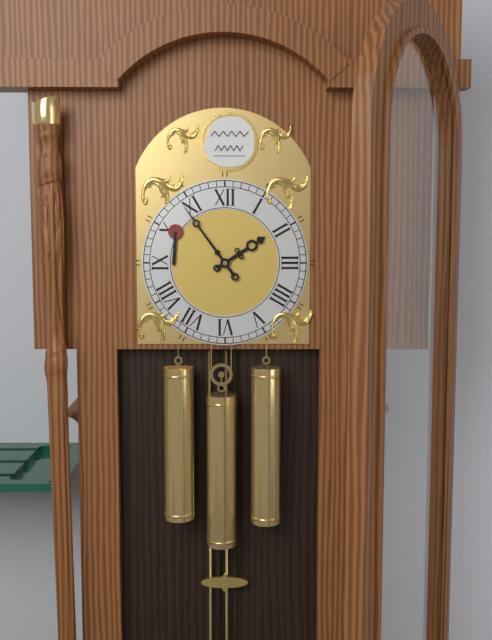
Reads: 1:54
